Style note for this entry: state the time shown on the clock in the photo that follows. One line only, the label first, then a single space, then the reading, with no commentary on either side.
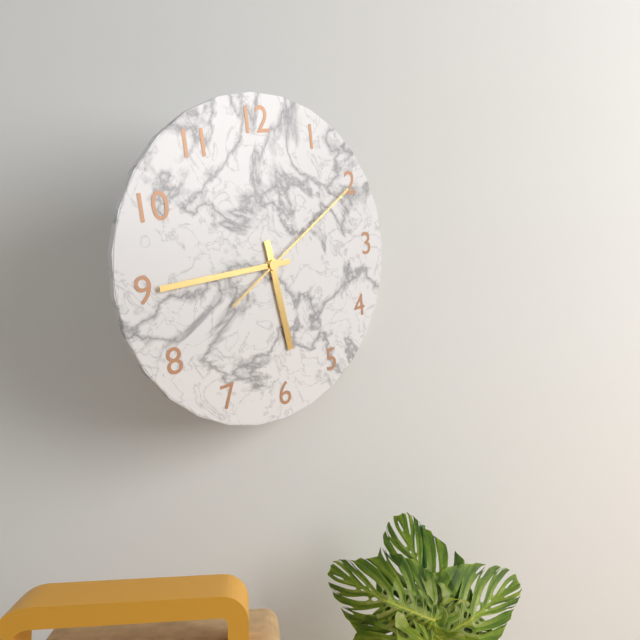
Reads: 5:45:10
